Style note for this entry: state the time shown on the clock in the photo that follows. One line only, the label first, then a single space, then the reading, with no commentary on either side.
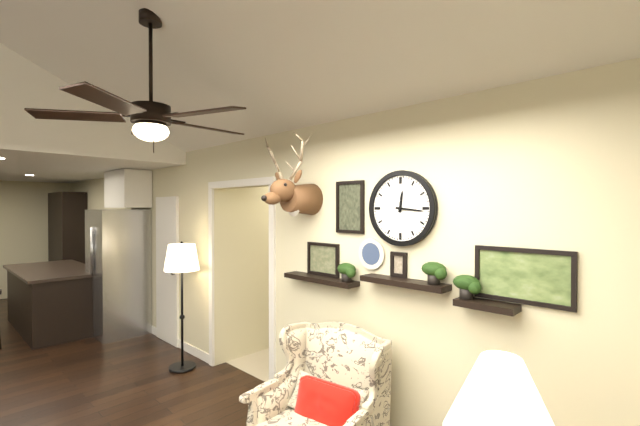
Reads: 12:16
